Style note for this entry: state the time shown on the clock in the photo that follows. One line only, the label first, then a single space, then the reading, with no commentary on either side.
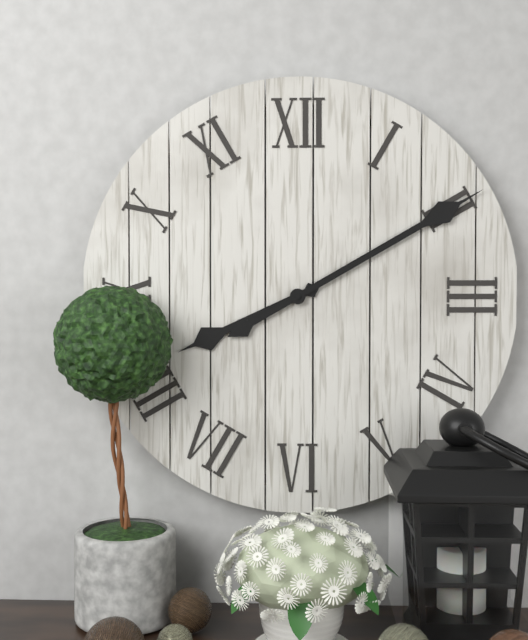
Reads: 8:10
